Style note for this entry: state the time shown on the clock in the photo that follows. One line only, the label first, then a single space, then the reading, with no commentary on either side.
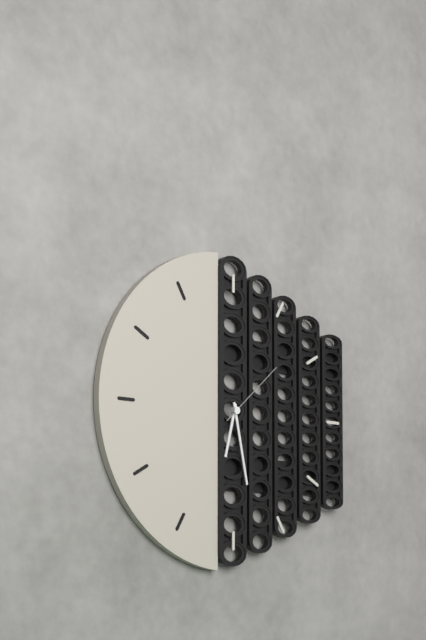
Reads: 6:28:08
